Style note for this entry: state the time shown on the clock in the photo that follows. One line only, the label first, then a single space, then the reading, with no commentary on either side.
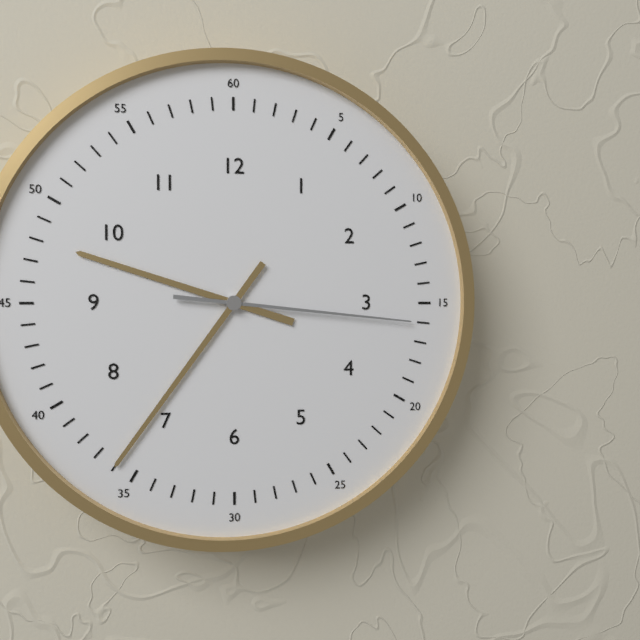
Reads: 9:36:16
